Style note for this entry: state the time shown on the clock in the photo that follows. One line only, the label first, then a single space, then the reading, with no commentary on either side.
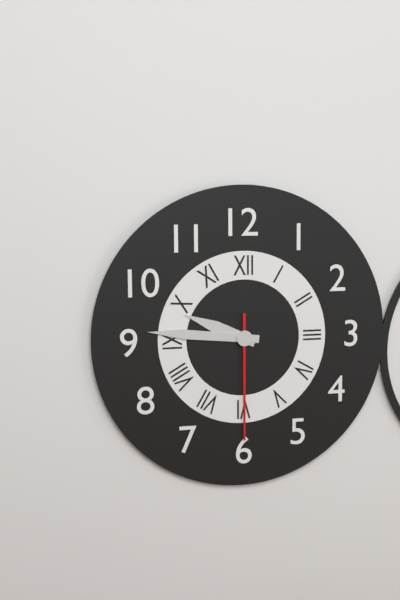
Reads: 9:46:30
